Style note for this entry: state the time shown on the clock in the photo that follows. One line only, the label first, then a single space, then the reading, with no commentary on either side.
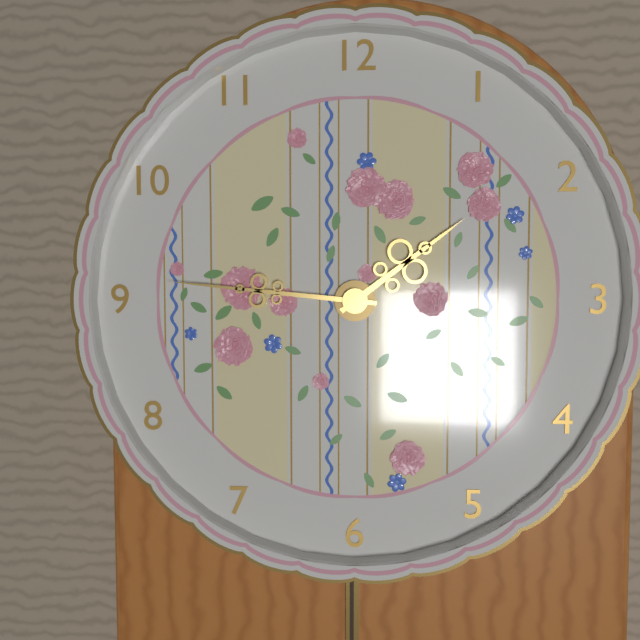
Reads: 1:46
